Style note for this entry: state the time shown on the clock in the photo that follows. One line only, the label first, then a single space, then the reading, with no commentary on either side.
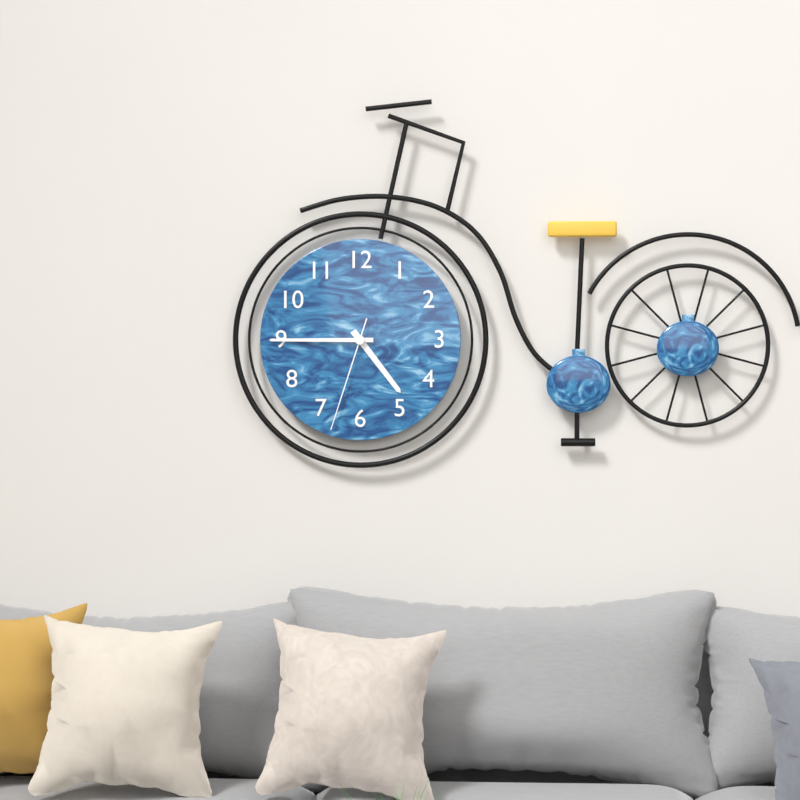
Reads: 4:45:33
